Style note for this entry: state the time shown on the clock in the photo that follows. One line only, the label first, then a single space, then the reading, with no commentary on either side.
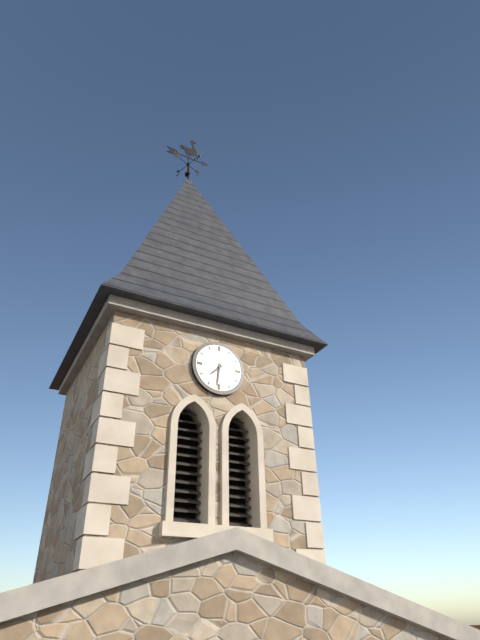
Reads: 7:31
